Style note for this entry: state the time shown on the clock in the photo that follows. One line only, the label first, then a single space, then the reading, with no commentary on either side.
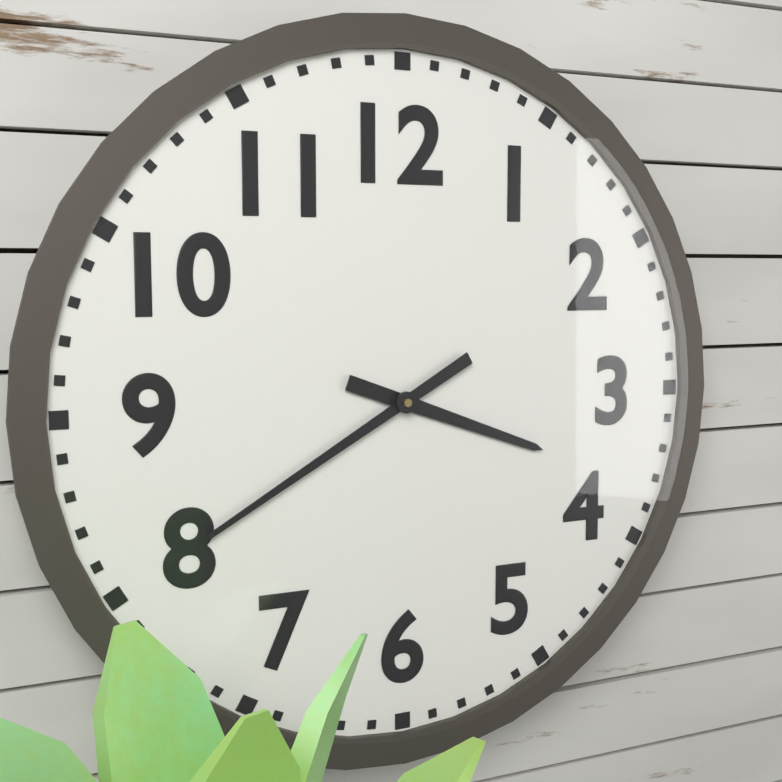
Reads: 3:40
